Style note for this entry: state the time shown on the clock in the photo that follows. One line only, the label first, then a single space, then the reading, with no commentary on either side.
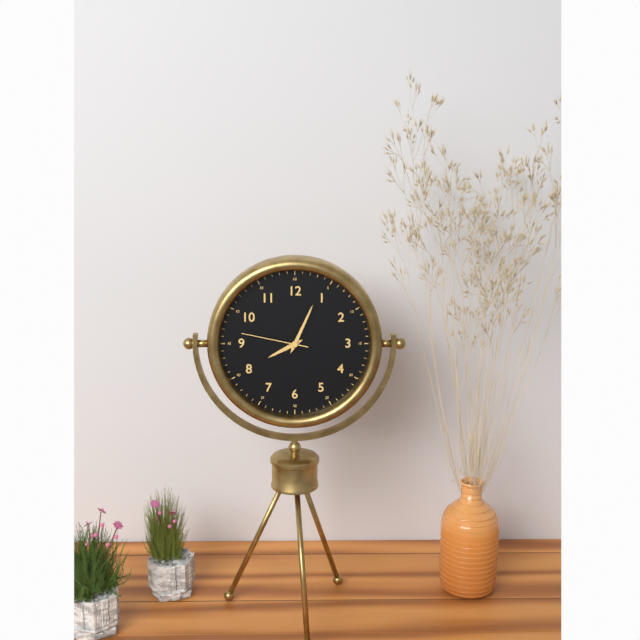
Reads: 8:04:47
